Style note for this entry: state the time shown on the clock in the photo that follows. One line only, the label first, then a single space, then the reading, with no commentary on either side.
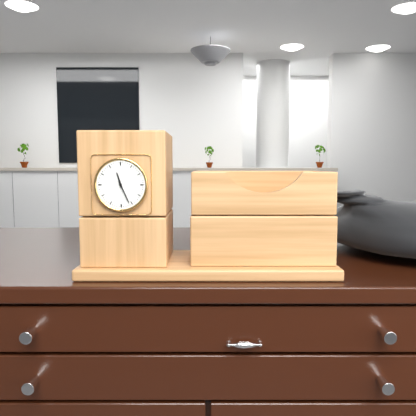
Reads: 11:26
